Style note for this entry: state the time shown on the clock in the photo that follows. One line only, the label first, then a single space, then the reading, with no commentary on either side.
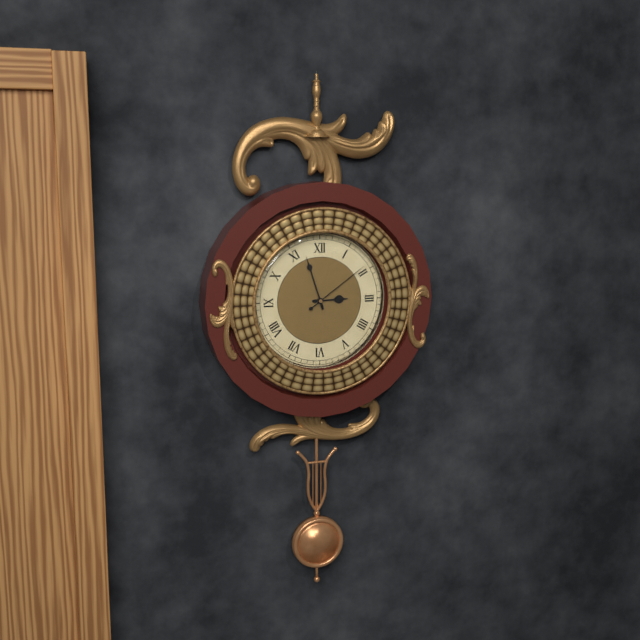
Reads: 2:57:09
